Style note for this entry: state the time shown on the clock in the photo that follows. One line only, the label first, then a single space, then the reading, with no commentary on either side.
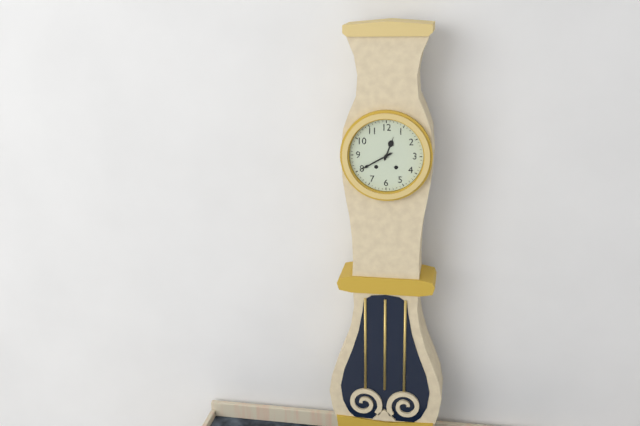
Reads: 12:40
